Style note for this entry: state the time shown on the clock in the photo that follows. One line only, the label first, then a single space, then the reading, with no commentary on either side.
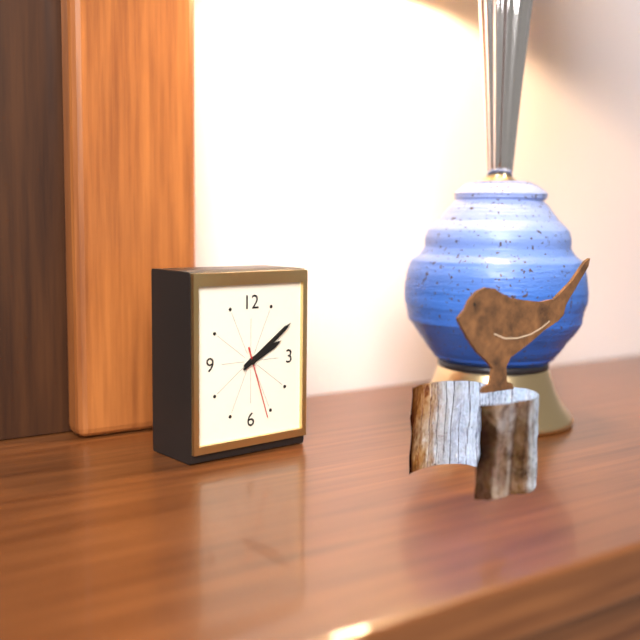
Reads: 2:09:27
